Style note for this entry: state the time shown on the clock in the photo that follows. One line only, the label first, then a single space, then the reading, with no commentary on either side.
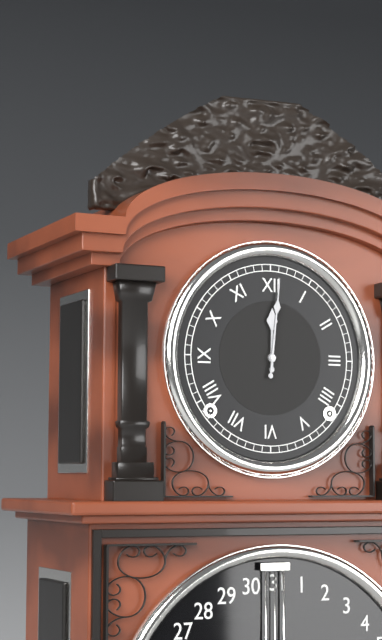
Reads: 12:01
